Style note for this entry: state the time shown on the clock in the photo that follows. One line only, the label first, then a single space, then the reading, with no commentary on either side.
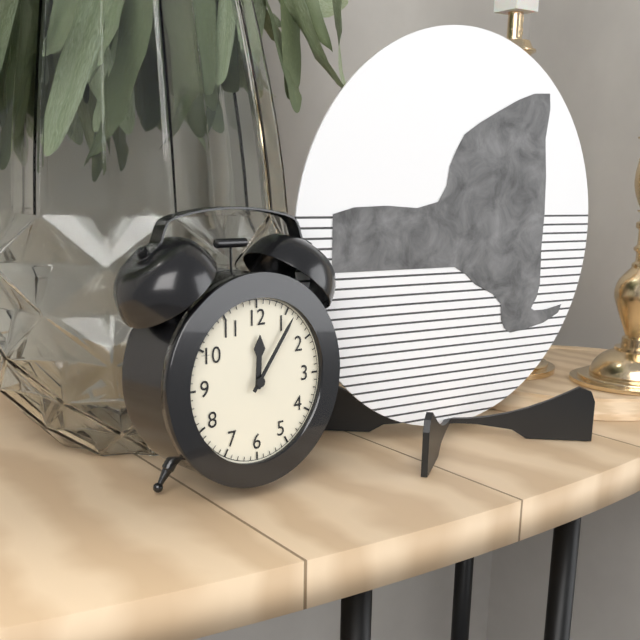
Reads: 12:06
